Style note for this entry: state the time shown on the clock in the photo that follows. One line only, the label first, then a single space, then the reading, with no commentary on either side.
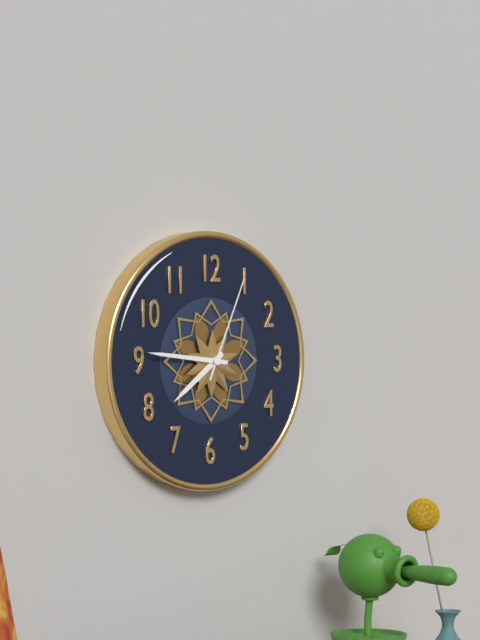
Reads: 7:46:04
